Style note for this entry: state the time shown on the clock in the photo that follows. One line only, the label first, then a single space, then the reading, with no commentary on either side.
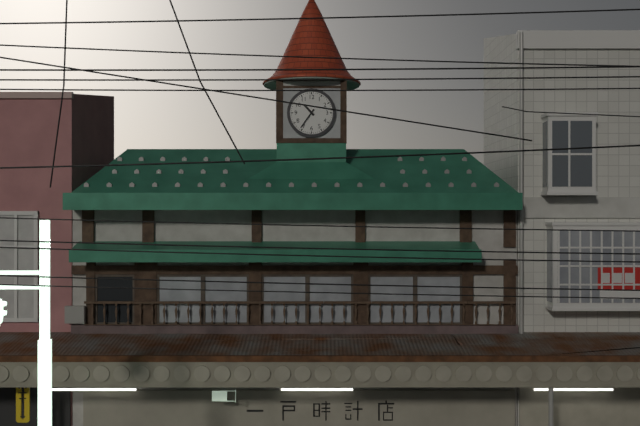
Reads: 10:36
